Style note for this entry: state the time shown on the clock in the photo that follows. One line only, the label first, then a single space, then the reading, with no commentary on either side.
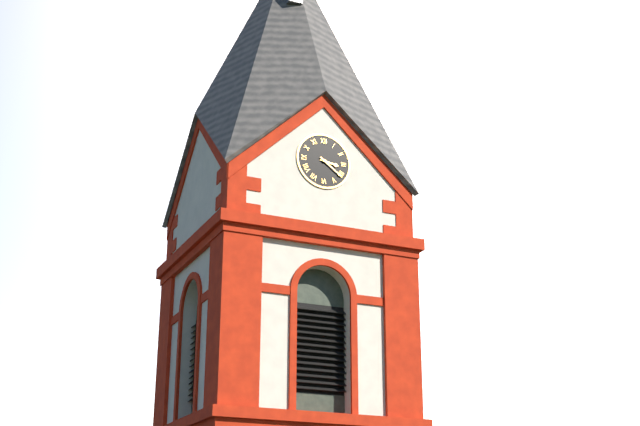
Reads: 3:21
